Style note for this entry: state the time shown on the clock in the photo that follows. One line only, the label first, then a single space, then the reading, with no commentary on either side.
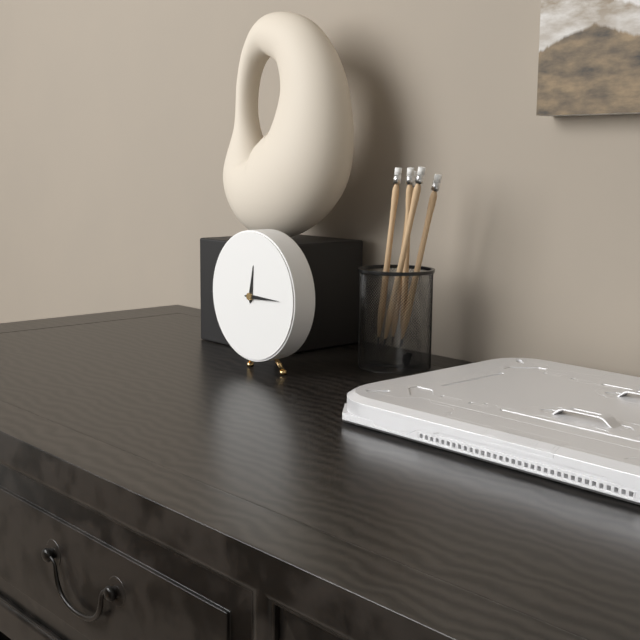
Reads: 12:15
